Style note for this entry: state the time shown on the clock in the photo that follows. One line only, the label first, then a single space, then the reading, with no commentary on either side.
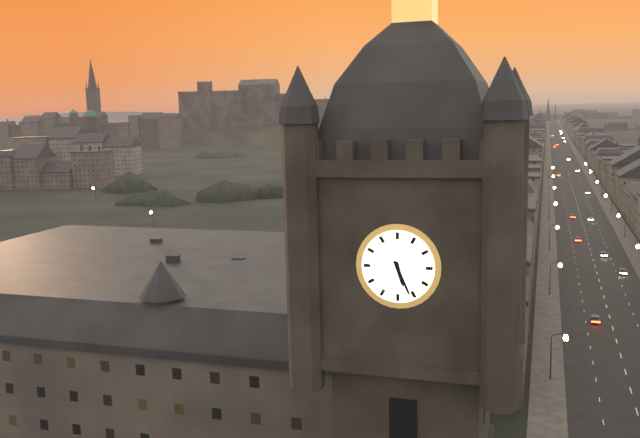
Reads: 5:26
